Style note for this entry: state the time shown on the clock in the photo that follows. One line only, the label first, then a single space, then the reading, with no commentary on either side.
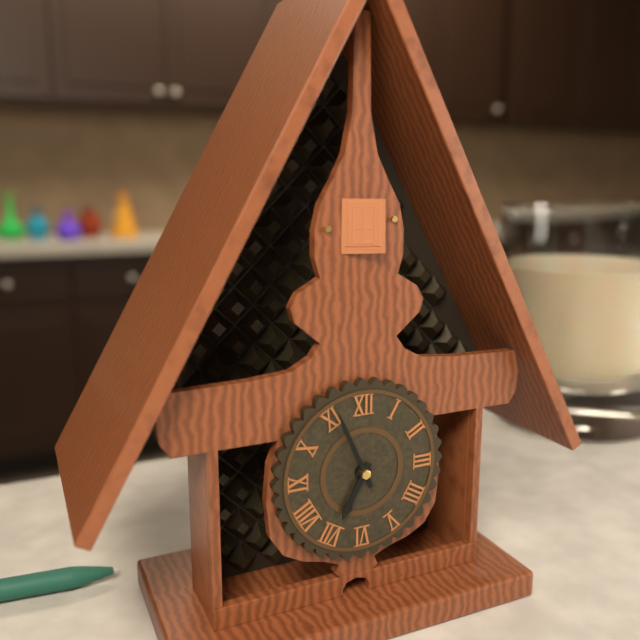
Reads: 6:56
